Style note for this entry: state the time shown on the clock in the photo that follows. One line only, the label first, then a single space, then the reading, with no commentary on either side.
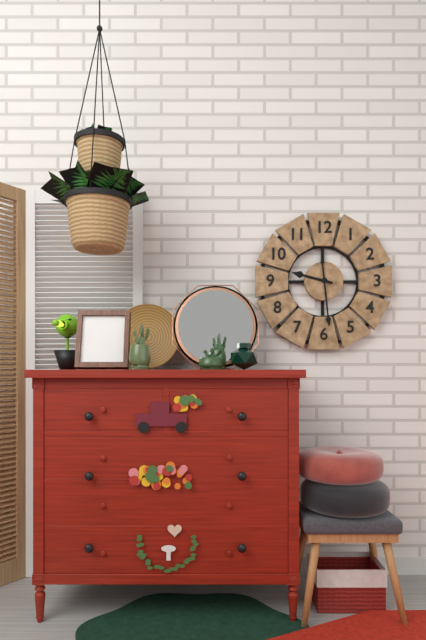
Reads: 9:29
